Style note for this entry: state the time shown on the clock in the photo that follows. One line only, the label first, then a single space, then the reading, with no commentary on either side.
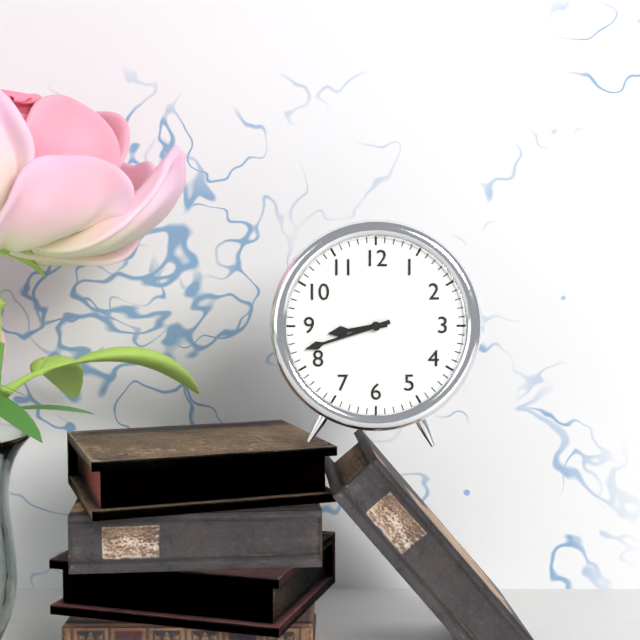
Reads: 8:42
